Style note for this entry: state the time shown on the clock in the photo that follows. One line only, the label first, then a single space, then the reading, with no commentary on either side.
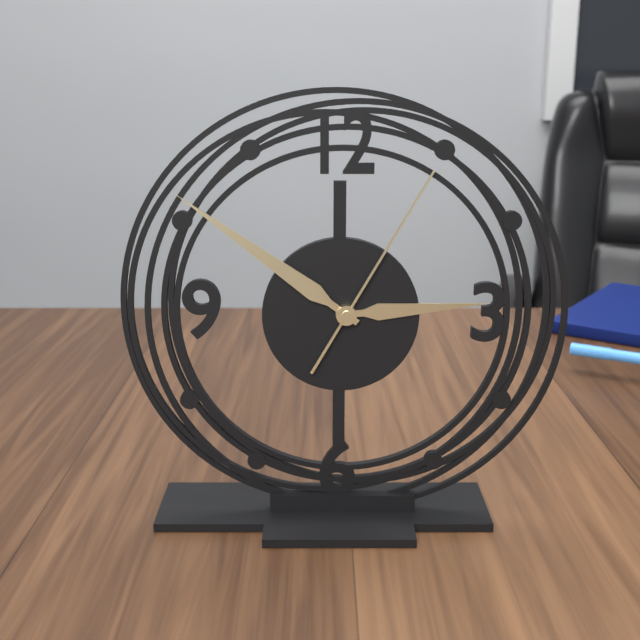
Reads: 2:51:05
